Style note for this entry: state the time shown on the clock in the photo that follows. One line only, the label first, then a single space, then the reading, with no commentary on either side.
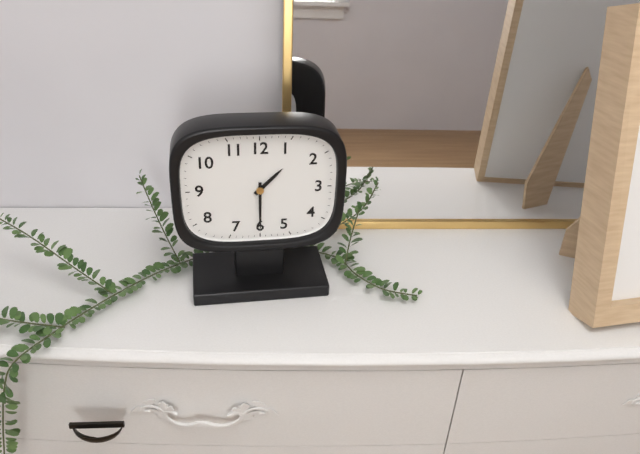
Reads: 1:30
